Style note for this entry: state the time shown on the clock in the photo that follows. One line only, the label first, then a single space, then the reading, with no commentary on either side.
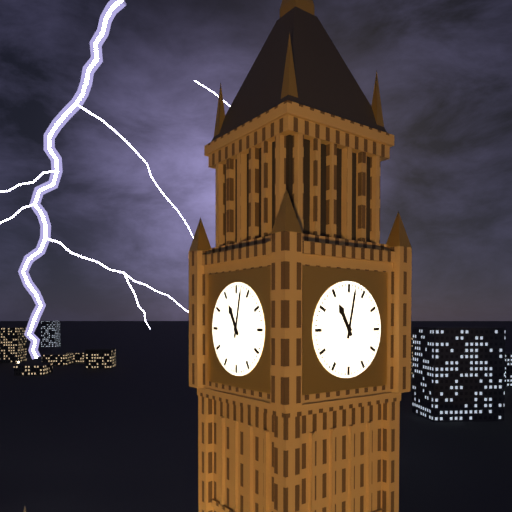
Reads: 11:02
